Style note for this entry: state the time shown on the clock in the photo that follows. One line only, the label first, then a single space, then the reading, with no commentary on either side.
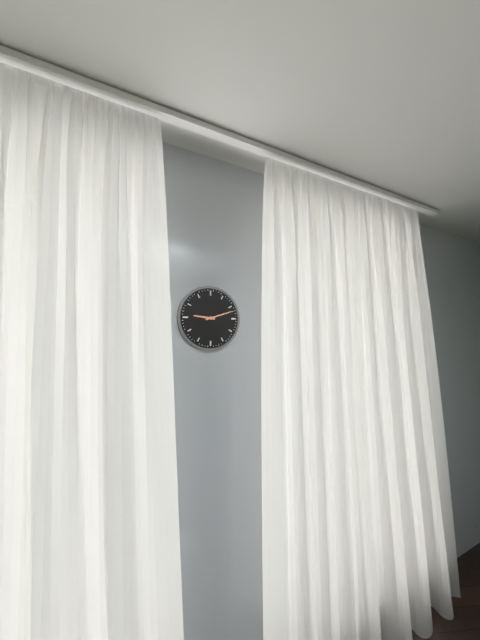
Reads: 9:12
